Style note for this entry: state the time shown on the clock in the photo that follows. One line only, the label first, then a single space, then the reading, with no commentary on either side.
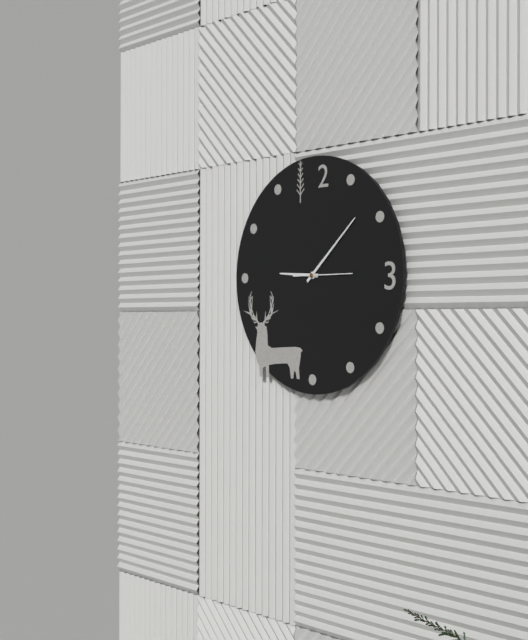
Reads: 9:08
